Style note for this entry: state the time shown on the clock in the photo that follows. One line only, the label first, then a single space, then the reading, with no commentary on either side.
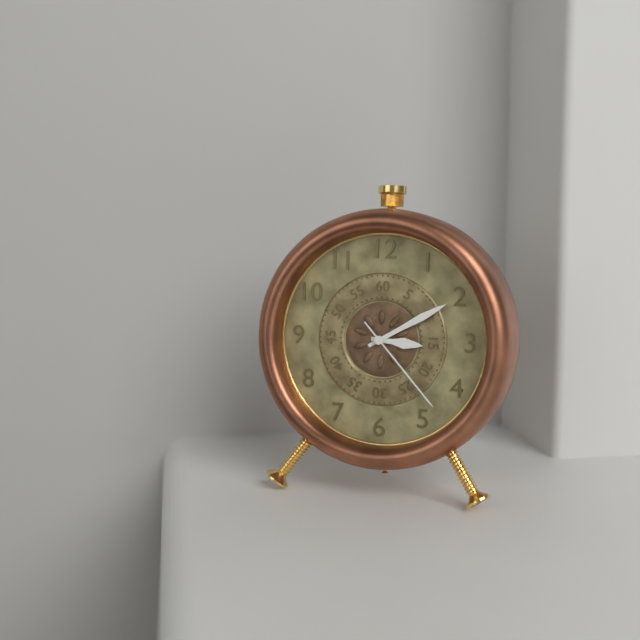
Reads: 3:10:23
